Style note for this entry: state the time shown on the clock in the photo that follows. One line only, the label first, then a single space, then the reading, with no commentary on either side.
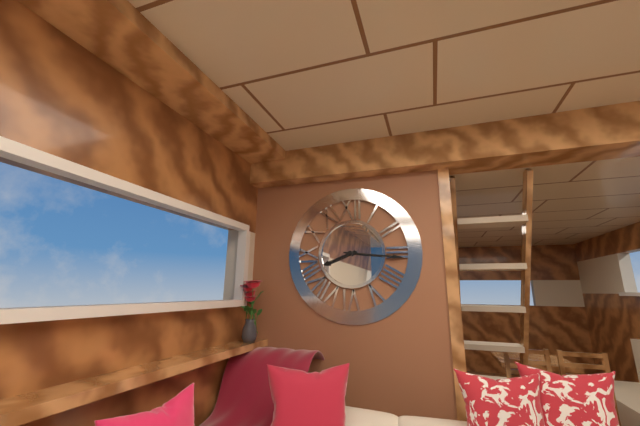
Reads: 8:16
